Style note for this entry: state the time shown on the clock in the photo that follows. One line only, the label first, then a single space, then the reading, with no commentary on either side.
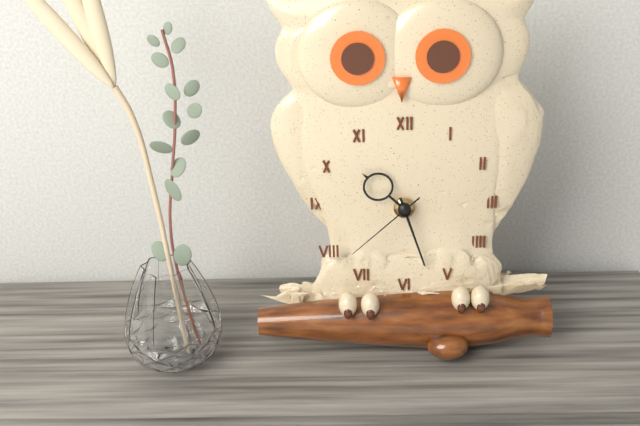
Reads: 10:27:38
